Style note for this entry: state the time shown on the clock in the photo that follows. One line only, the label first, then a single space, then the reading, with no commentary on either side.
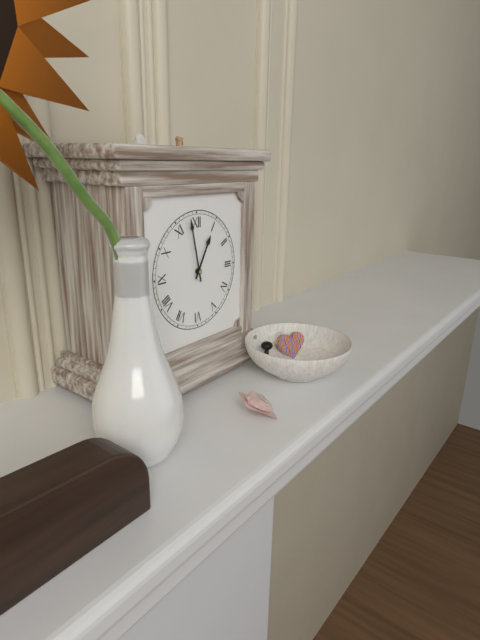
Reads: 12:58
